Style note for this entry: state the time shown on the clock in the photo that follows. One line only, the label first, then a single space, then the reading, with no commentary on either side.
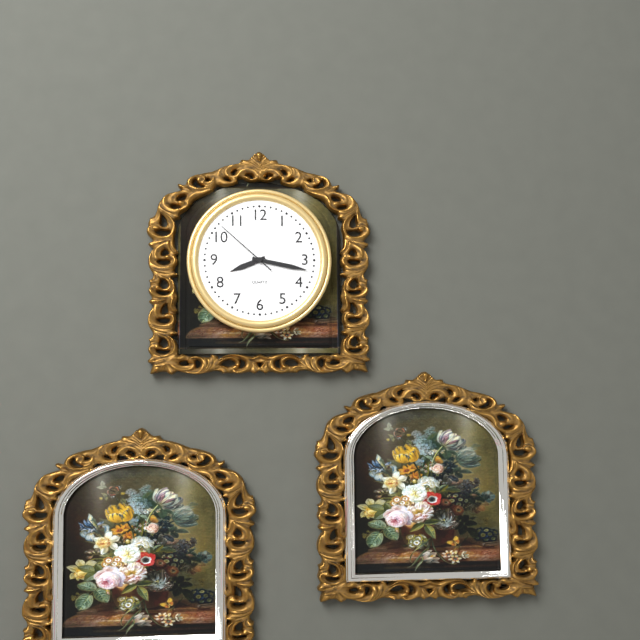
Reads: 8:17:52
